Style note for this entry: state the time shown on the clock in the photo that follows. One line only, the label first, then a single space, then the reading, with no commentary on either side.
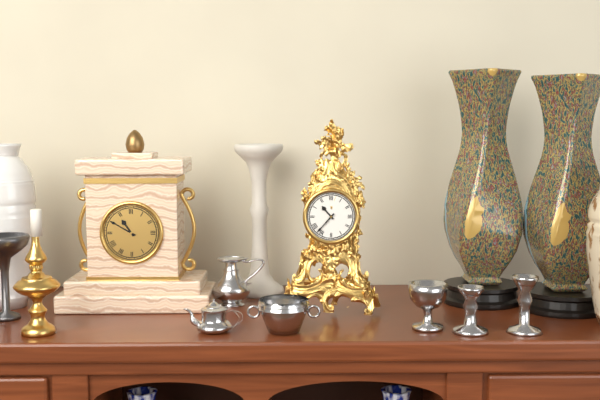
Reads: 10:37
